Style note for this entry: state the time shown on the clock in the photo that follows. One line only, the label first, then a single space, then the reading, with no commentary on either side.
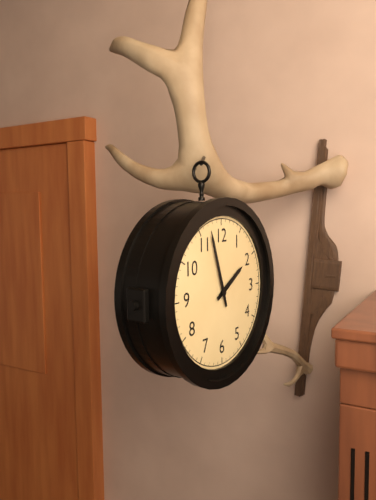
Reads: 1:57
